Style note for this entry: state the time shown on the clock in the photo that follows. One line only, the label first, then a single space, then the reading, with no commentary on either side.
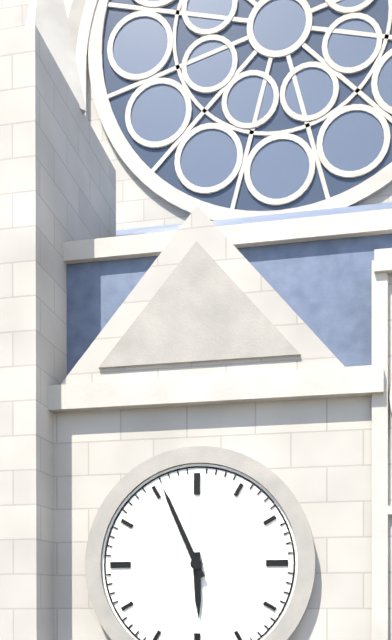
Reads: 5:56
